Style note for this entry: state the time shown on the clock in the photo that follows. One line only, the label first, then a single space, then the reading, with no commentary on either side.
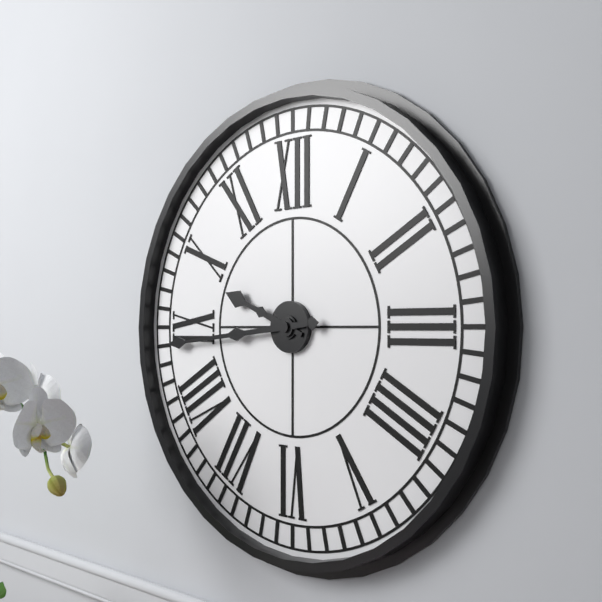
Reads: 9:44
